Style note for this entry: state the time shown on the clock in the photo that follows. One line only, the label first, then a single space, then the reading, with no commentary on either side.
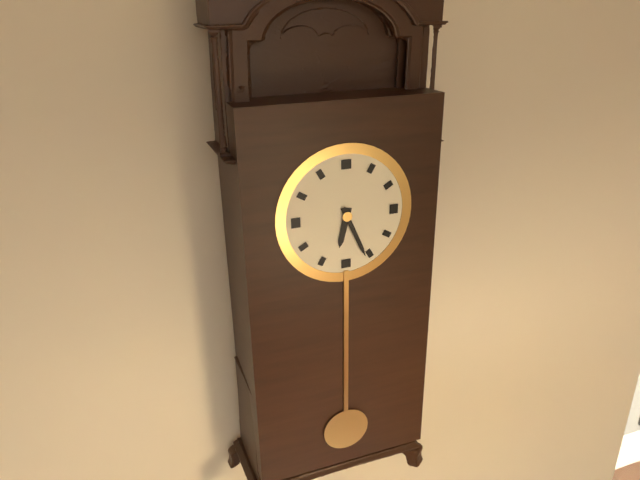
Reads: 6:26
